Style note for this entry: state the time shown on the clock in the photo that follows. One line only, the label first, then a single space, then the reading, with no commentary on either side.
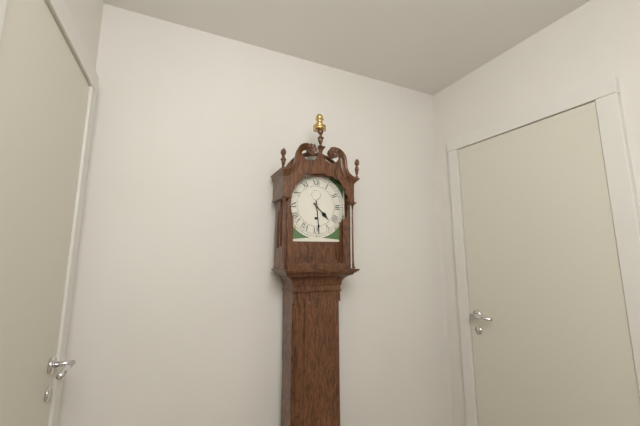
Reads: 4:29
